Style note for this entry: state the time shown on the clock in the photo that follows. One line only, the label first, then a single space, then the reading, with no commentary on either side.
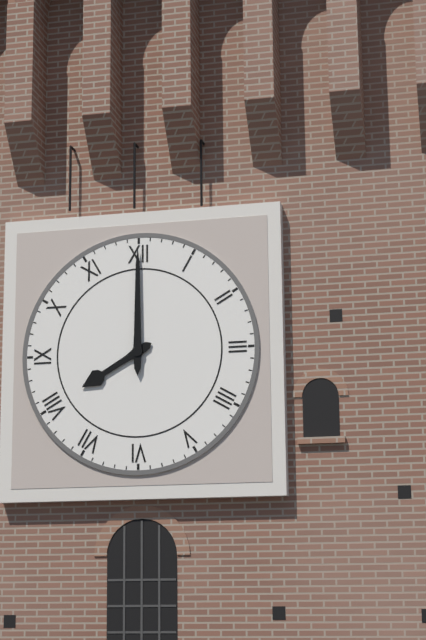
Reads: 8:00
